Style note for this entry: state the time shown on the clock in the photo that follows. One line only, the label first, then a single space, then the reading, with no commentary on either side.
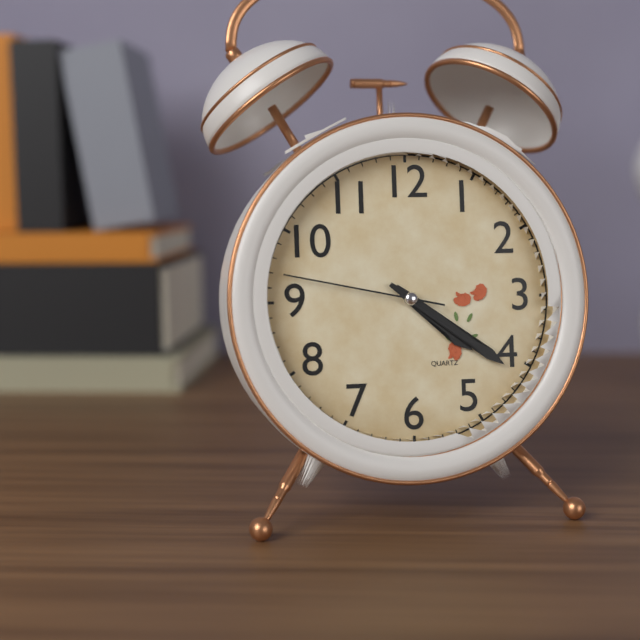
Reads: 4:21:47
